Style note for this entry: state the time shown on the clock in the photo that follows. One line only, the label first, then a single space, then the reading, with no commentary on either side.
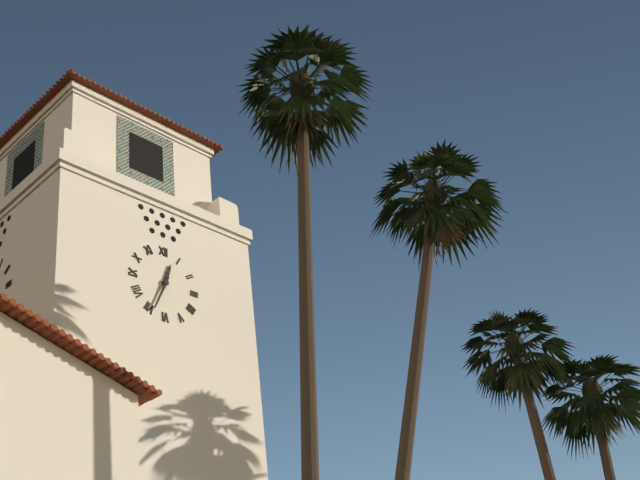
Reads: 12:34
